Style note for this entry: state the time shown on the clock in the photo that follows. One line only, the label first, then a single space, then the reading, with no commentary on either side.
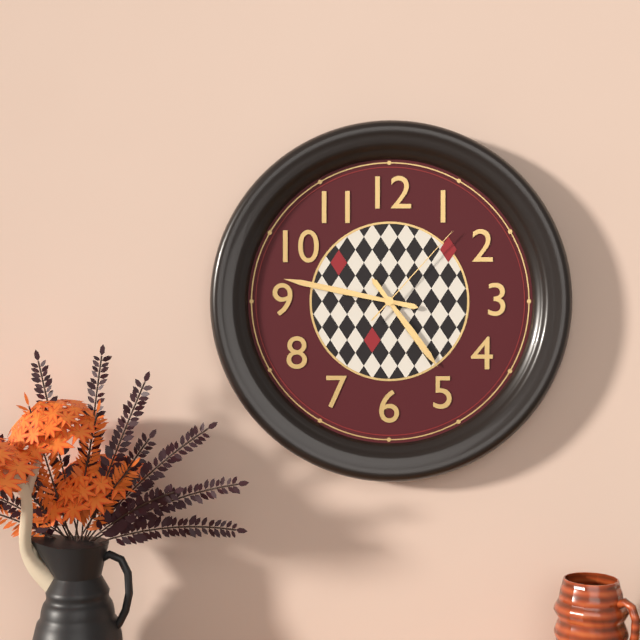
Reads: 4:47:07
